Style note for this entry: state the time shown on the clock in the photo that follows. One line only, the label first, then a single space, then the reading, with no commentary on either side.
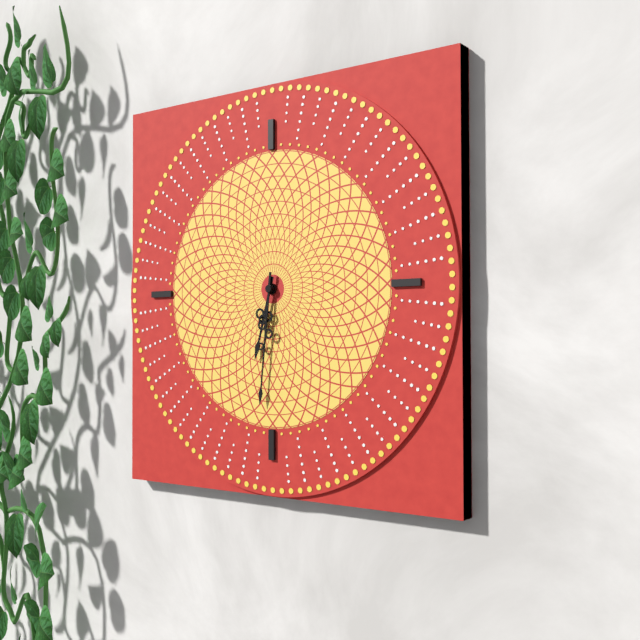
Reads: 6:31
